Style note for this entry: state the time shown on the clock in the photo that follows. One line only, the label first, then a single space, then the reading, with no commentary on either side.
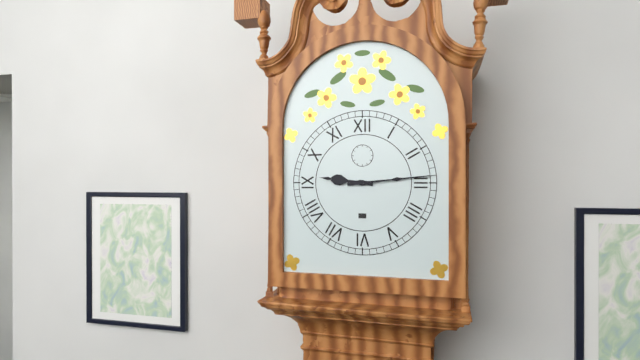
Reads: 9:14
